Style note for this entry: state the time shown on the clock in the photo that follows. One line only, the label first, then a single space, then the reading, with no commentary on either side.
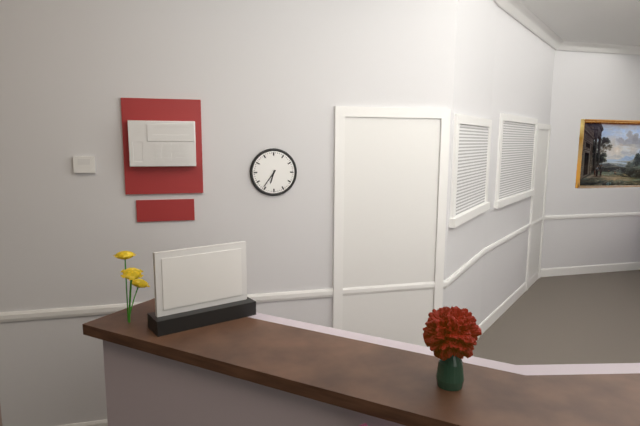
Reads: 6:36
